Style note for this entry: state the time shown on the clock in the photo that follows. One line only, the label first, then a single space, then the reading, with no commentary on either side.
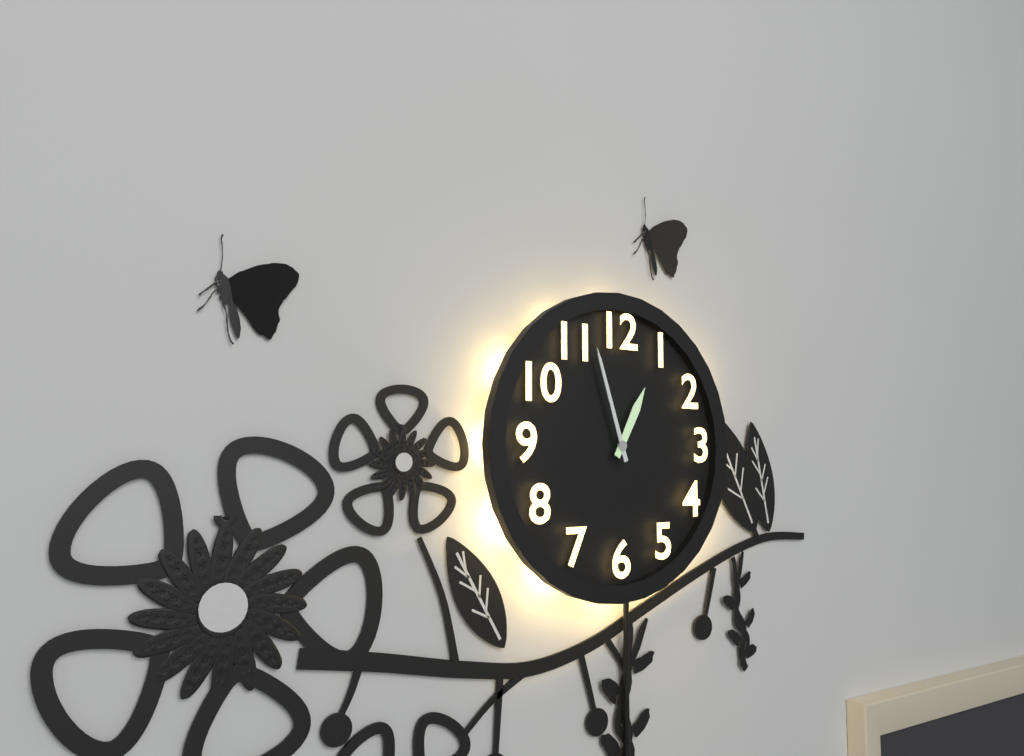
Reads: 12:57
